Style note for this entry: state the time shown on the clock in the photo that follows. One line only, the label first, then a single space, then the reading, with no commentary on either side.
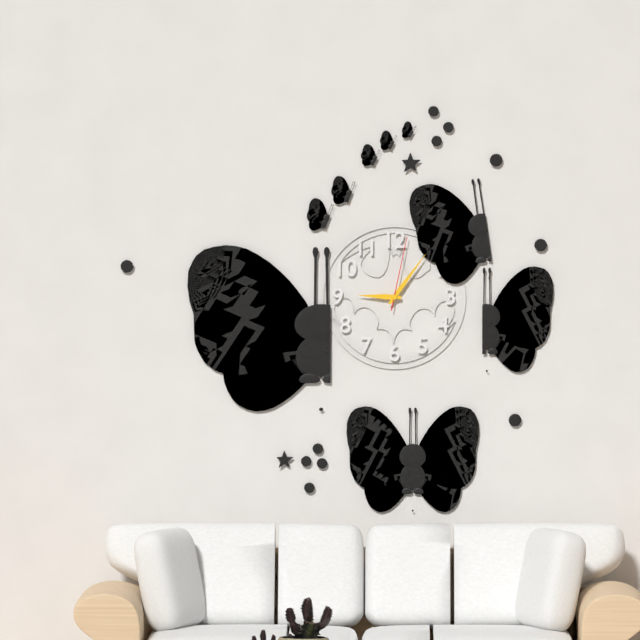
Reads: 9:06:02
